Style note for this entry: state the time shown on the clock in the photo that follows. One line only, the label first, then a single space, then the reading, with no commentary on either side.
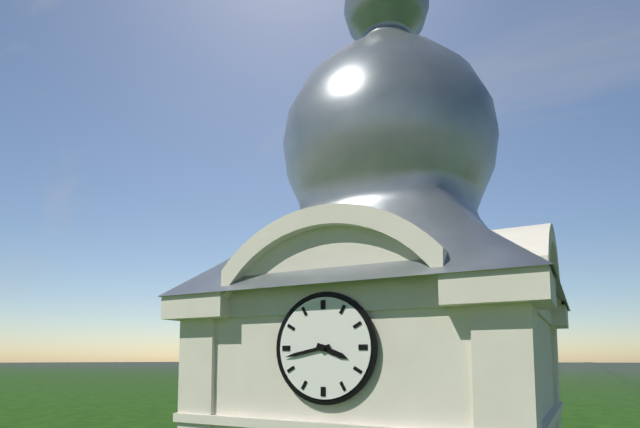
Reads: 3:43
